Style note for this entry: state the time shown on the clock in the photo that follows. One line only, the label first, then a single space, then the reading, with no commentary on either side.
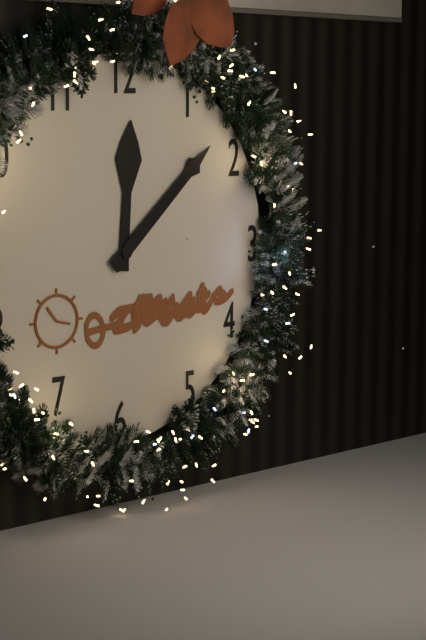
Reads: 12:08
